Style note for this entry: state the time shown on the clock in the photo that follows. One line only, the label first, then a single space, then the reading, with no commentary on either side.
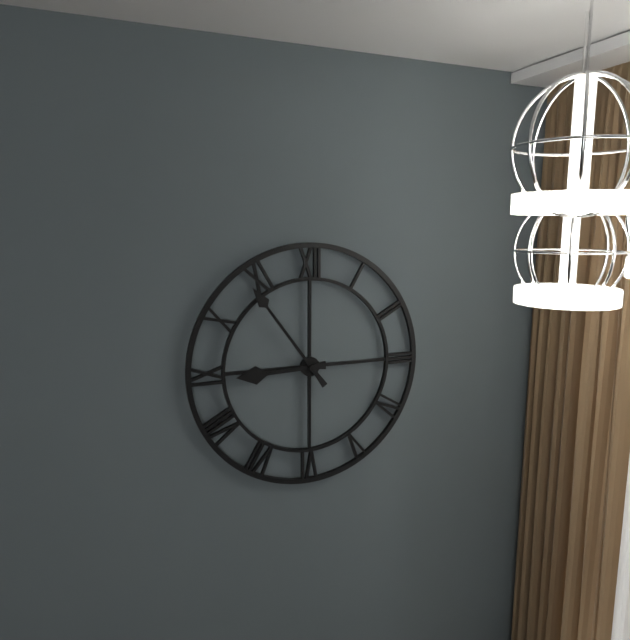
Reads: 8:54
